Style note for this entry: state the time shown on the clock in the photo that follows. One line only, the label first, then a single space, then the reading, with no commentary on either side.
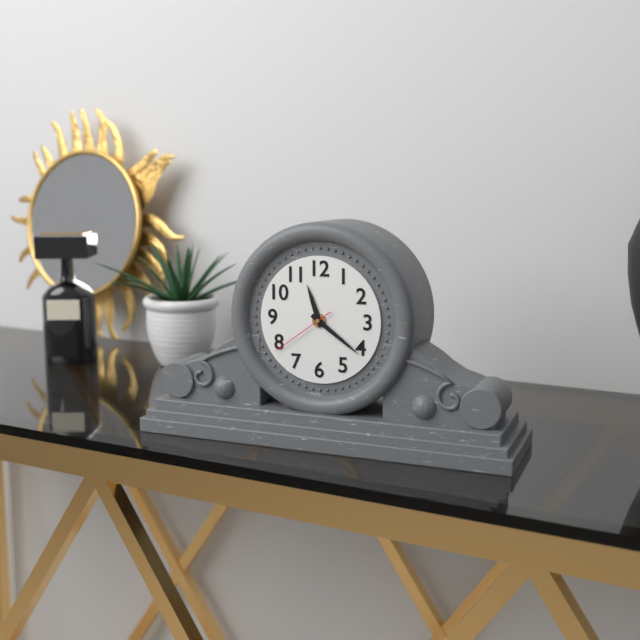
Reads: 11:21:39
